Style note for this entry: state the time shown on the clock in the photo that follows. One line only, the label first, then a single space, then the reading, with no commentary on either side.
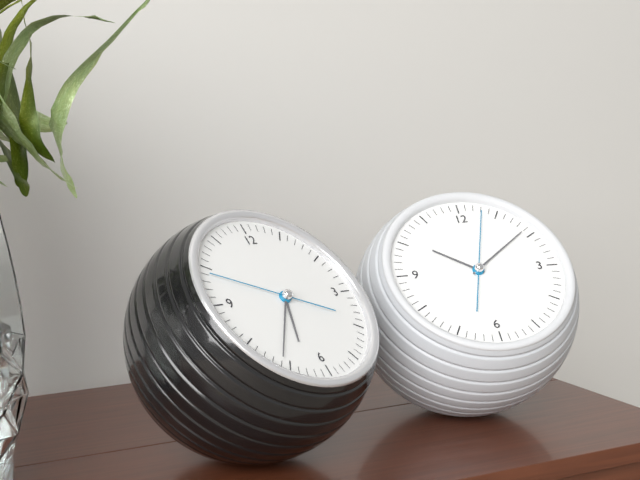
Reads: 6:36:49
